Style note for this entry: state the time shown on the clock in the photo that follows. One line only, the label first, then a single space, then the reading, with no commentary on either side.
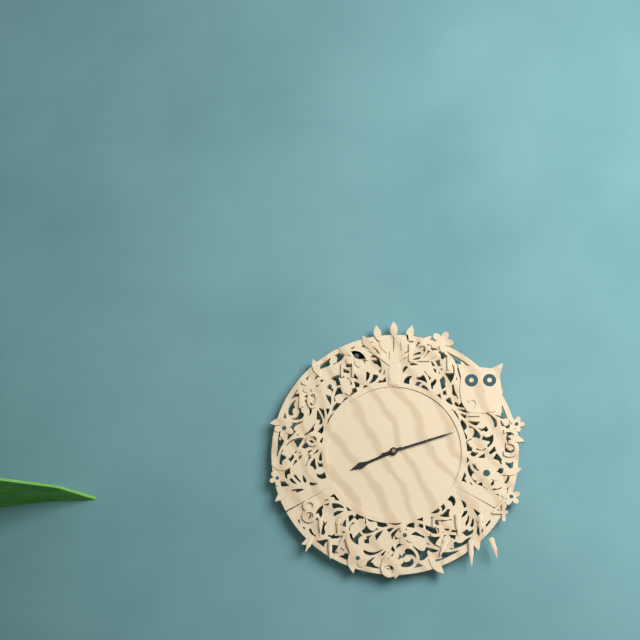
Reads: 8:12
